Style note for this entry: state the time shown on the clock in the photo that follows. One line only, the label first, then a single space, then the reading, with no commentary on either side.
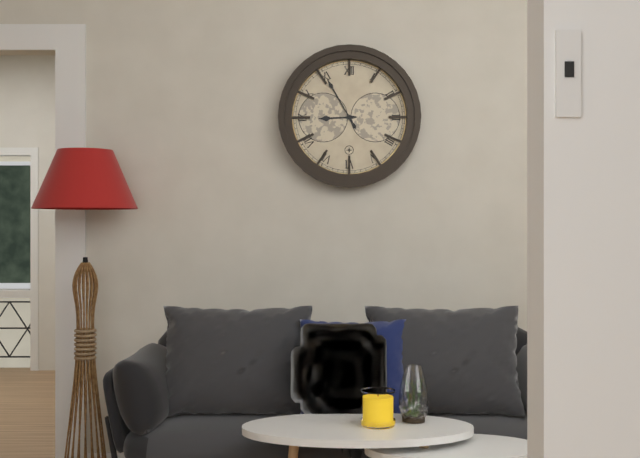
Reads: 8:55
